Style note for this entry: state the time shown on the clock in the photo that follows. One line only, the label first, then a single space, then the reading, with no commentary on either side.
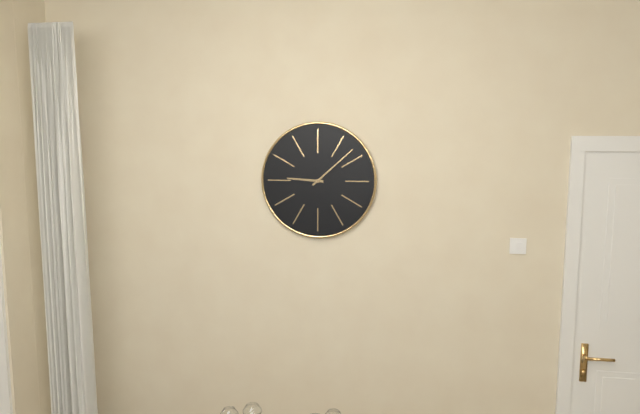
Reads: 9:08
